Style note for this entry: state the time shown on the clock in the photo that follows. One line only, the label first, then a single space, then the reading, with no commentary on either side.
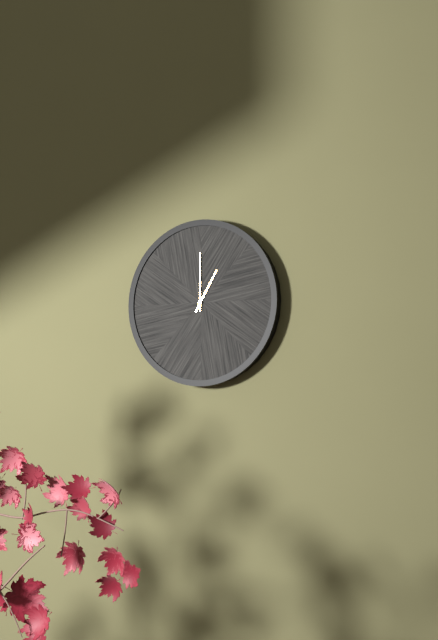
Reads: 1:00
